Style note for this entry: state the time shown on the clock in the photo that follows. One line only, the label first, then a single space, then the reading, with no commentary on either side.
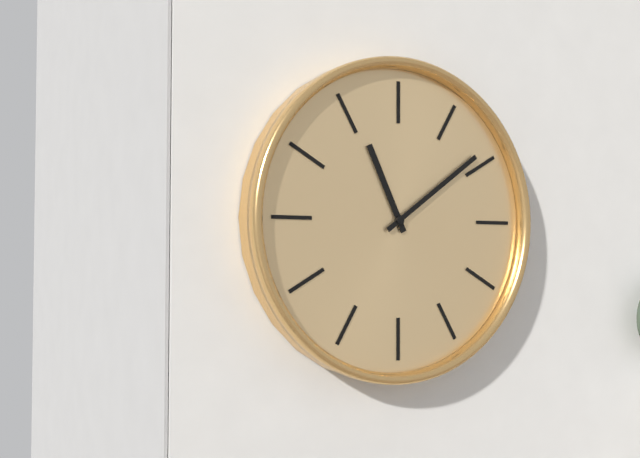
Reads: 11:09
